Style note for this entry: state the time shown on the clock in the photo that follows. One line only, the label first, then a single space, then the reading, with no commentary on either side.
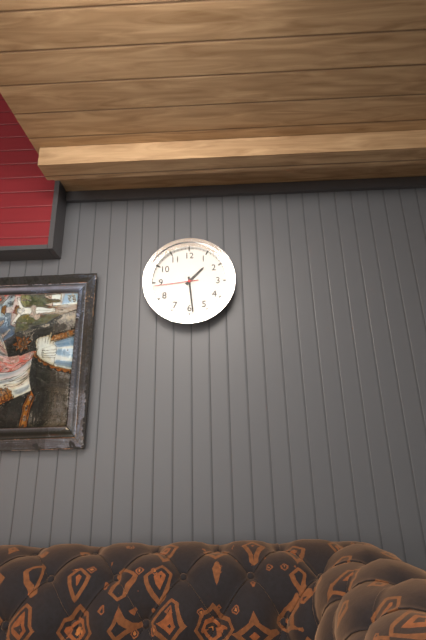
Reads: 1:29
